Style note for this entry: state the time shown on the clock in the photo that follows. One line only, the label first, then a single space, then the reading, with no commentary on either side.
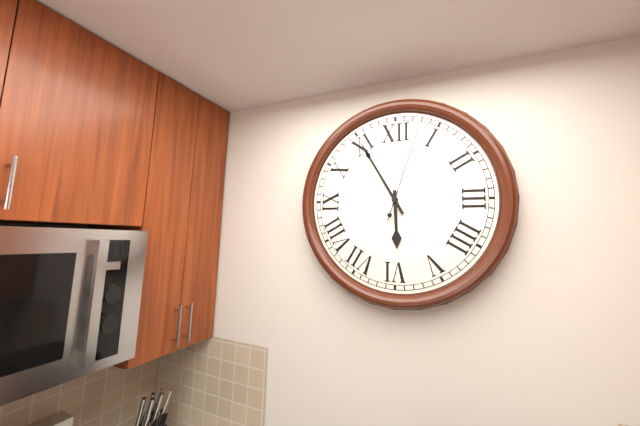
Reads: 5:55:03
